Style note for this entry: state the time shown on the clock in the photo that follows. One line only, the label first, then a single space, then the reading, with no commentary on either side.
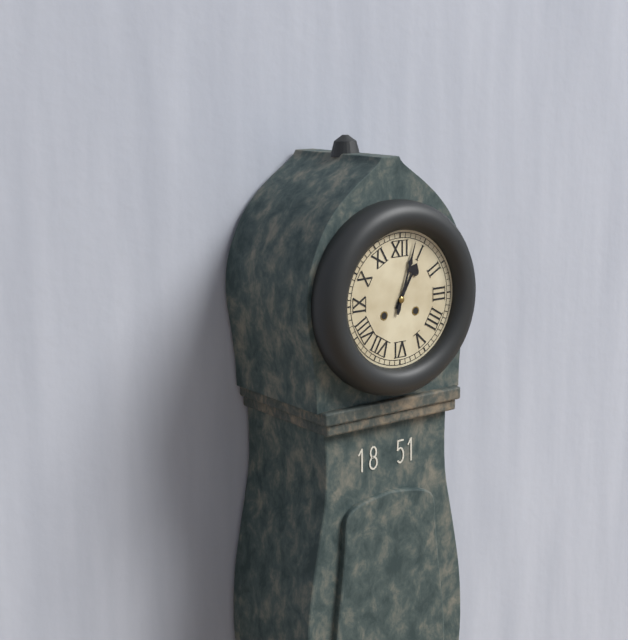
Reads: 1:03
